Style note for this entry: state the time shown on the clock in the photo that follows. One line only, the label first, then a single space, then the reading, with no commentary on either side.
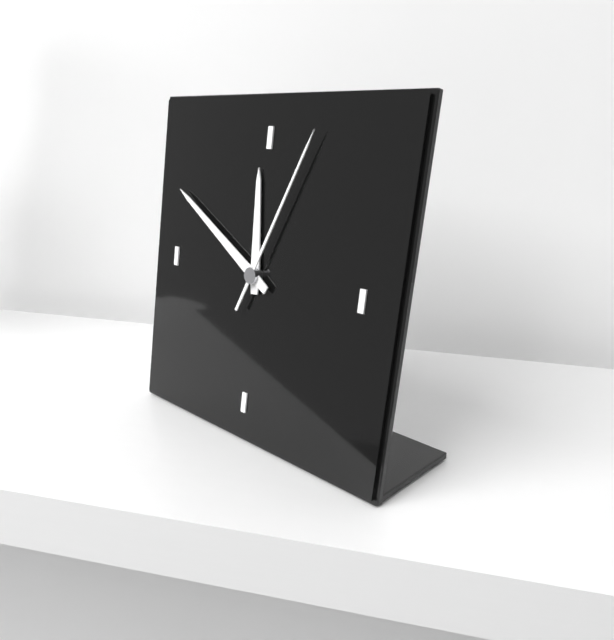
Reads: 11:50:04
